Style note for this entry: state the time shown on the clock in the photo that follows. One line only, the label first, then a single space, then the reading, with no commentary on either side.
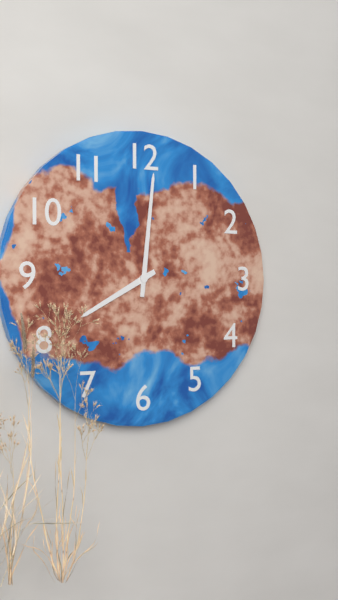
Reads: 8:01
